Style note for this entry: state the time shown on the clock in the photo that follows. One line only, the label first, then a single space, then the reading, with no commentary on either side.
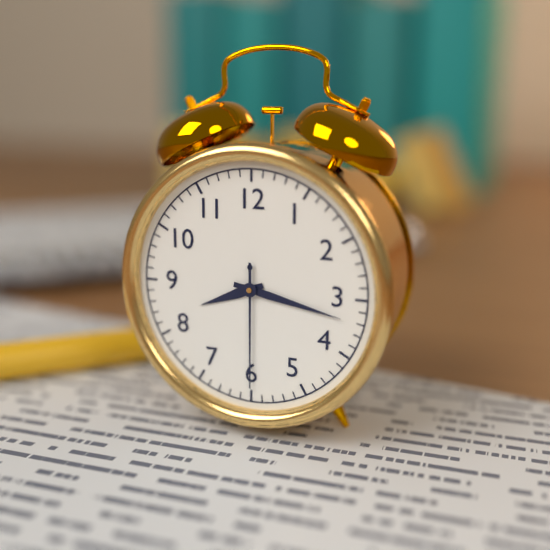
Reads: 8:17:30
